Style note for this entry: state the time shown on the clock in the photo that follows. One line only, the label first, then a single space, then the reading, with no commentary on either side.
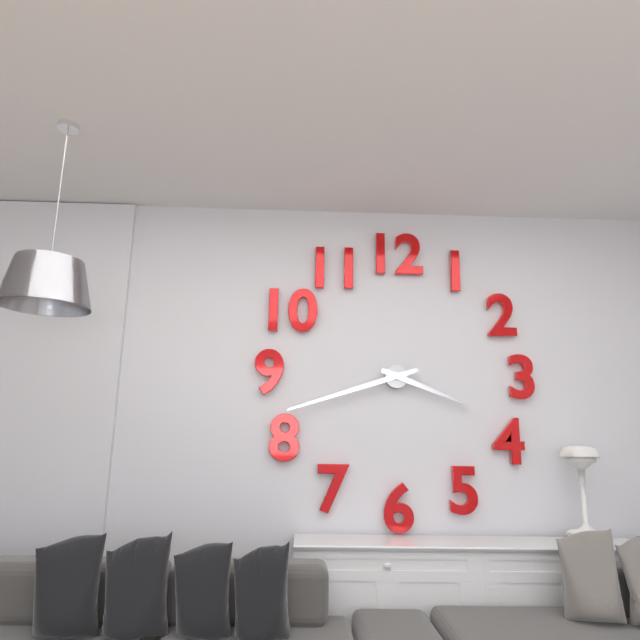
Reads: 3:42
